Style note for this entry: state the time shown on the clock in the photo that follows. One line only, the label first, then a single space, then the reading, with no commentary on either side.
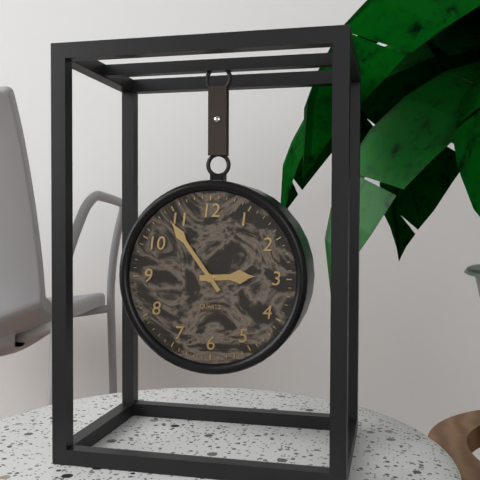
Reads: 2:54
